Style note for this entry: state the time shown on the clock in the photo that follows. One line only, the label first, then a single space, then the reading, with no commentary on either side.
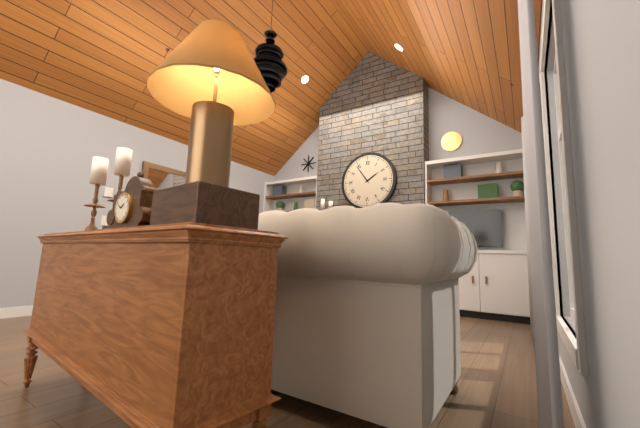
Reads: 1:54
